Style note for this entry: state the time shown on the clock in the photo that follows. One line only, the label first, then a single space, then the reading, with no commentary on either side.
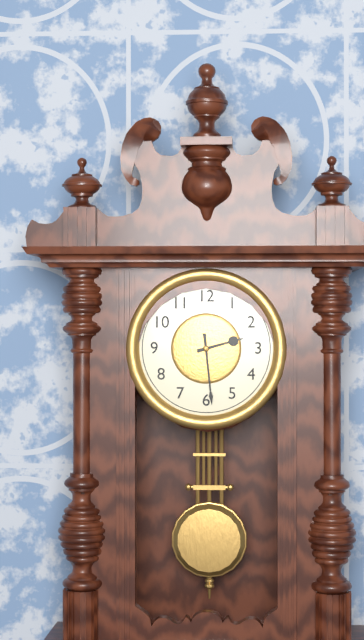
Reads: 2:29
